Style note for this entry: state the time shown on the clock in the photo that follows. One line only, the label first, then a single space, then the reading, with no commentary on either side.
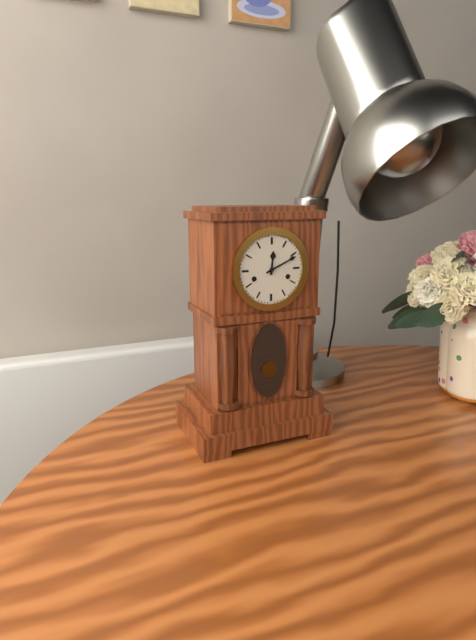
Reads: 12:11
